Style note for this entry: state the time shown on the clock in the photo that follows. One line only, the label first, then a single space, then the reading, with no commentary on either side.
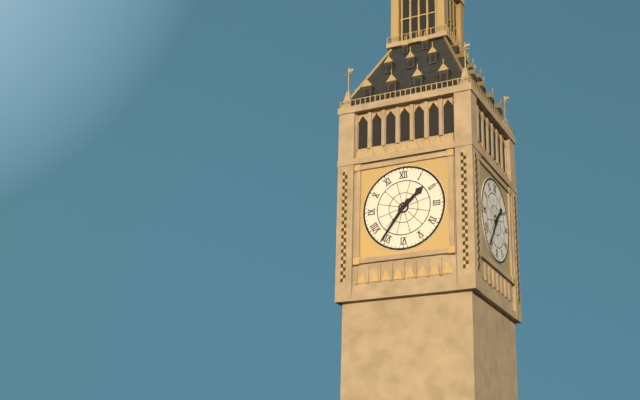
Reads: 1:36
